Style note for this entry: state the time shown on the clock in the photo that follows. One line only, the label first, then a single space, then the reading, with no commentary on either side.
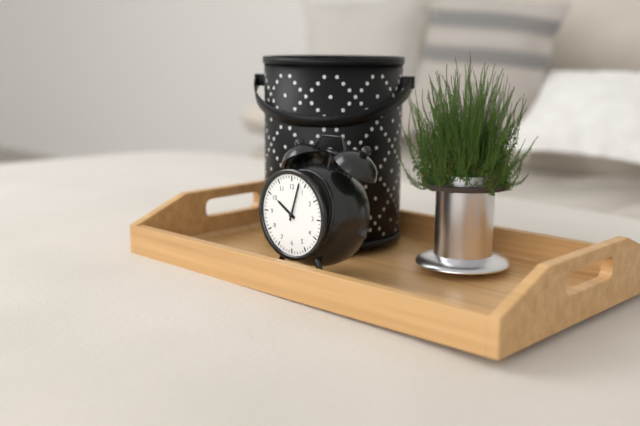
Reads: 10:03
